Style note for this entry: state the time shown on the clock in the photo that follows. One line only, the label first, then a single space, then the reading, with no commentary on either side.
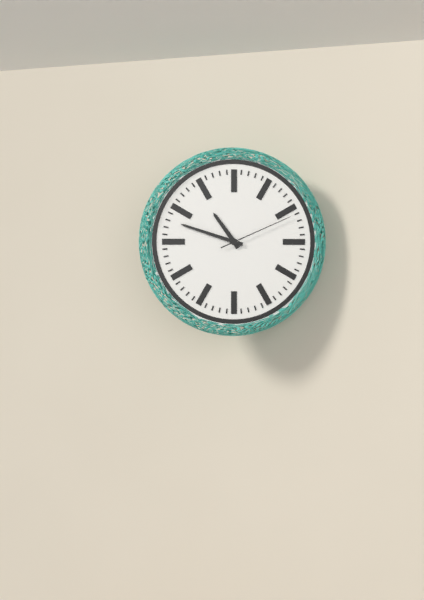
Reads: 10:48:11
